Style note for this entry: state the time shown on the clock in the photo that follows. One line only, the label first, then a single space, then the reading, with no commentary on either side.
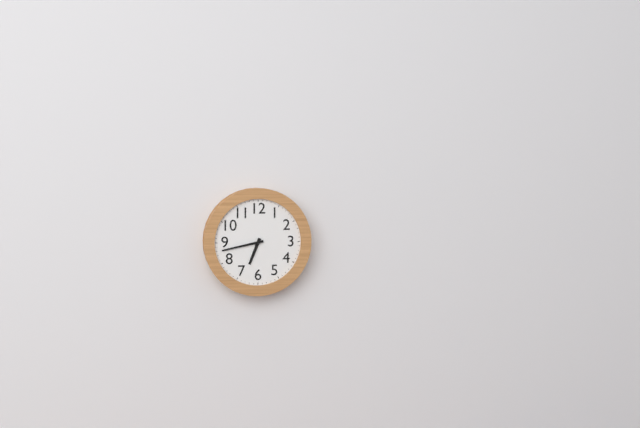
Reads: 6:43
